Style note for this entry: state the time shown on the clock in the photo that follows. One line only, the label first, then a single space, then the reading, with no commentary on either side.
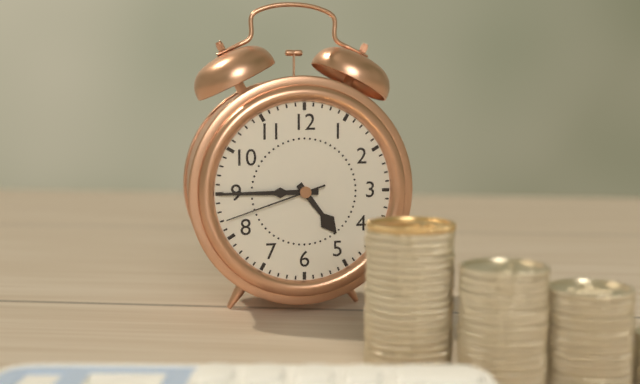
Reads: 4:45:42
